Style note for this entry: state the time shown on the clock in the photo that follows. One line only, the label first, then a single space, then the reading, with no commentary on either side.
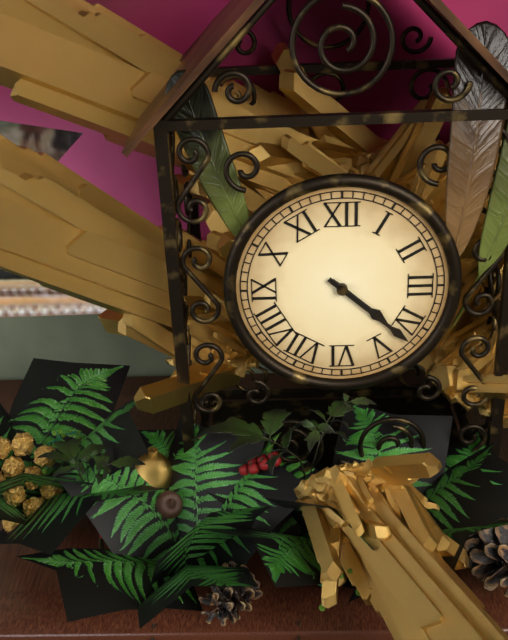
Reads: 4:22
